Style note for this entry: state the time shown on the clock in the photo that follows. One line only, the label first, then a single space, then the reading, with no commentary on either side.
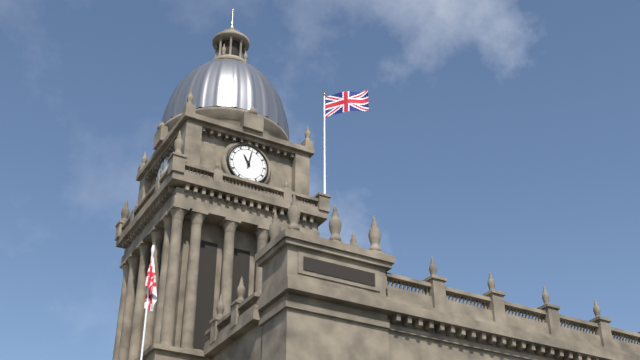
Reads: 11:02
